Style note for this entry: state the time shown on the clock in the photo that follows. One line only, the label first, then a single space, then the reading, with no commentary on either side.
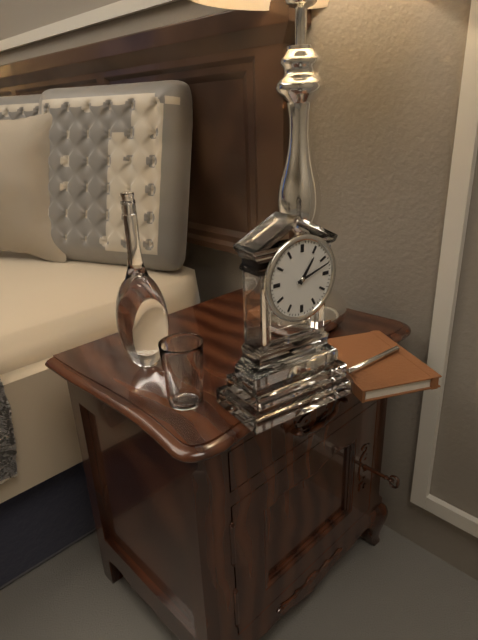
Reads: 1:12
